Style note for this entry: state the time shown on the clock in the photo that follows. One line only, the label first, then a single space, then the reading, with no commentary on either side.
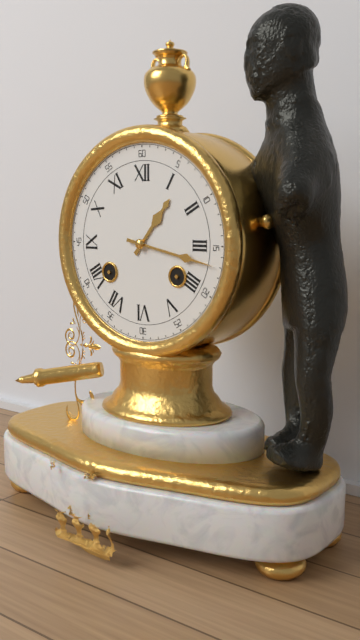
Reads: 1:17
